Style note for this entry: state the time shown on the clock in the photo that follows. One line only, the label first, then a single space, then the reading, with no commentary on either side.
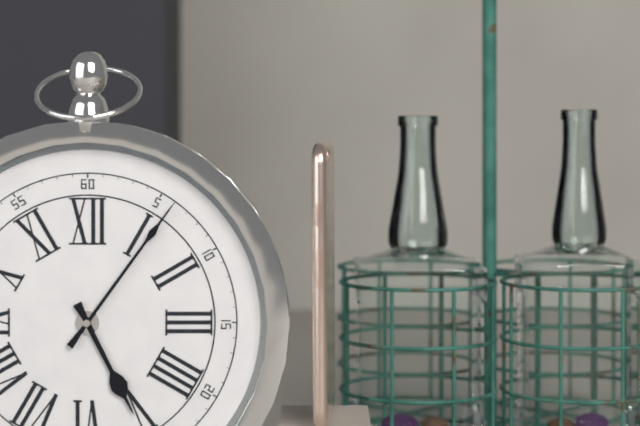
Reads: 5:06
